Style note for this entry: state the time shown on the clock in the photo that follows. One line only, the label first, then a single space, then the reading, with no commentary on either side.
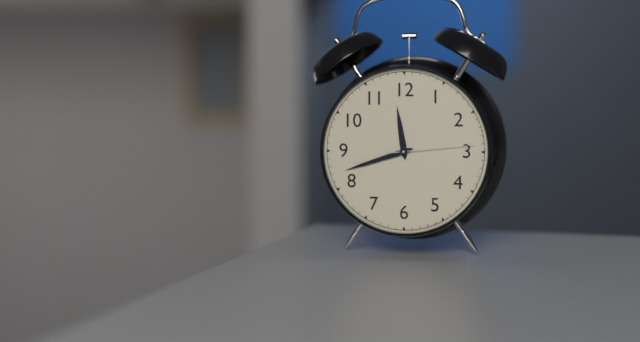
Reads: 11:42:14
